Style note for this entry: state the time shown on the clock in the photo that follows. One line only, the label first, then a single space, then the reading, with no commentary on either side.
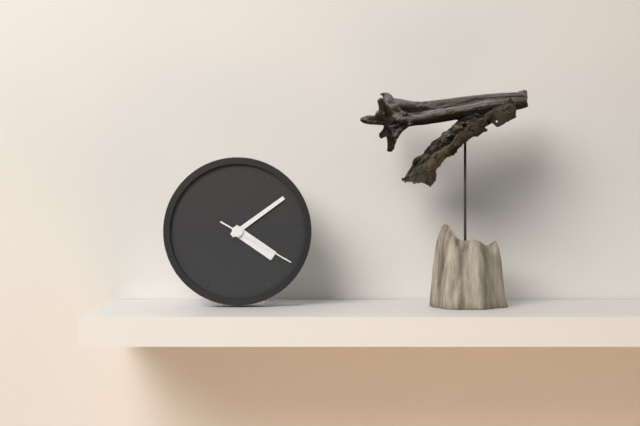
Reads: 4:09:20
